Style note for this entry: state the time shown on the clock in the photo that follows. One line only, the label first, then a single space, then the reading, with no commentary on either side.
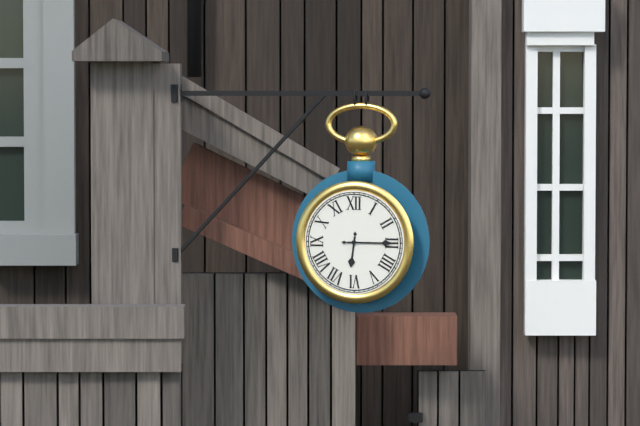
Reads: 6:15
